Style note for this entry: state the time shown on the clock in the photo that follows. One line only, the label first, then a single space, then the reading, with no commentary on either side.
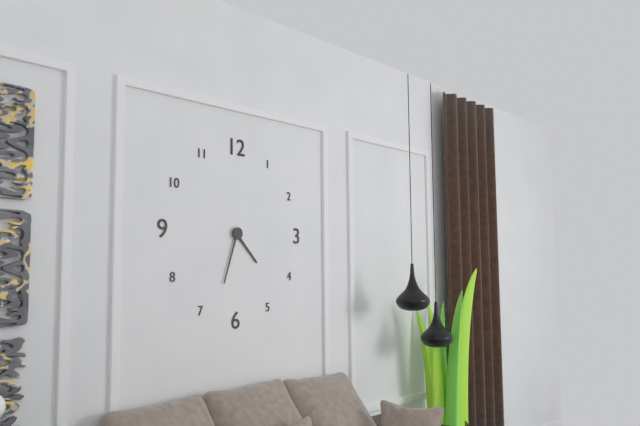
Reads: 4:33
